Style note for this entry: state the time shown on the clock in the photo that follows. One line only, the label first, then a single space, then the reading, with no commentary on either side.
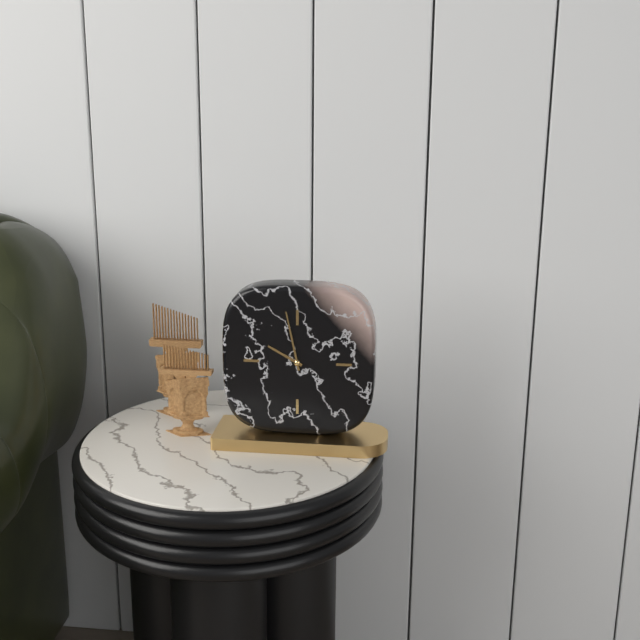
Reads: 9:58
